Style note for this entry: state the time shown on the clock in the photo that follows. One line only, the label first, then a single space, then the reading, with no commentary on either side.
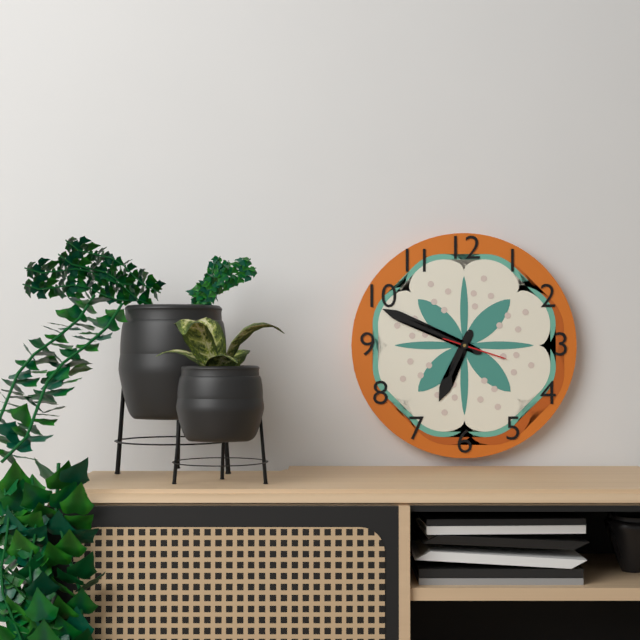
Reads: 6:49:18
